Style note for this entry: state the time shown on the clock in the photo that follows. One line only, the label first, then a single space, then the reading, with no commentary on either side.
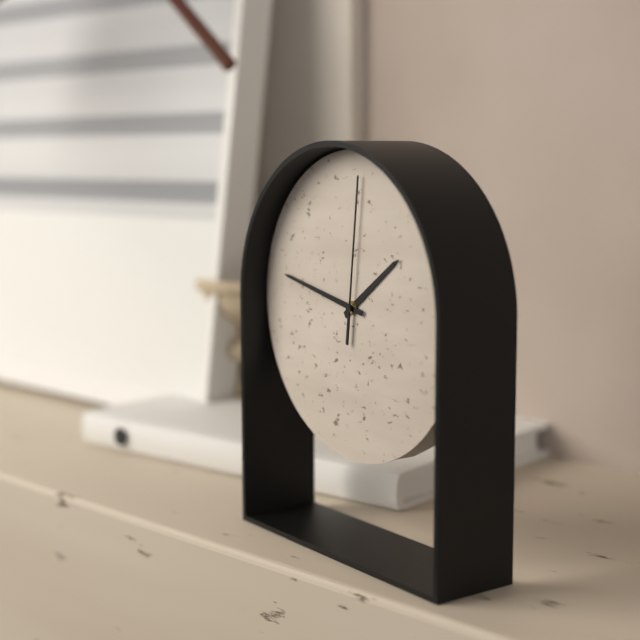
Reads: 1:47:01
